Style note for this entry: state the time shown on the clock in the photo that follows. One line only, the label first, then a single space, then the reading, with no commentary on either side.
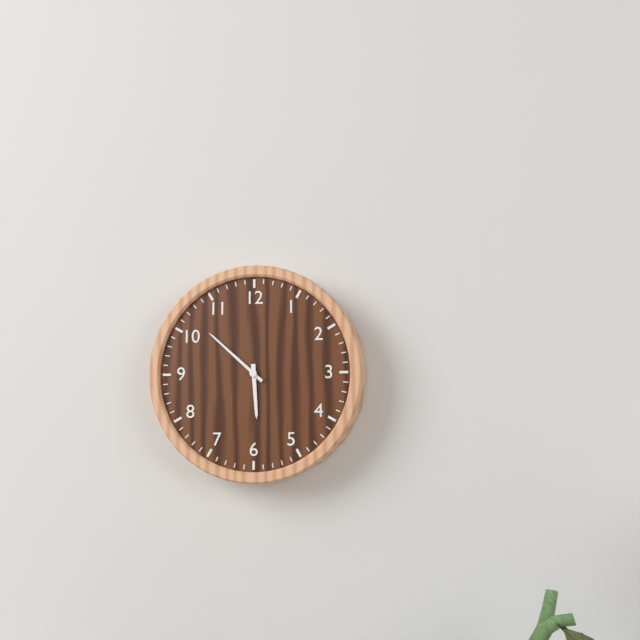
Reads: 5:52
